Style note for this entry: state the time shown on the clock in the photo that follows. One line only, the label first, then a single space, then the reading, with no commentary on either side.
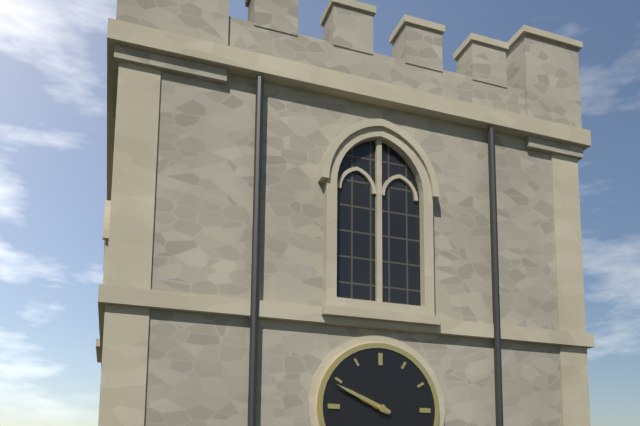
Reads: 9:49
